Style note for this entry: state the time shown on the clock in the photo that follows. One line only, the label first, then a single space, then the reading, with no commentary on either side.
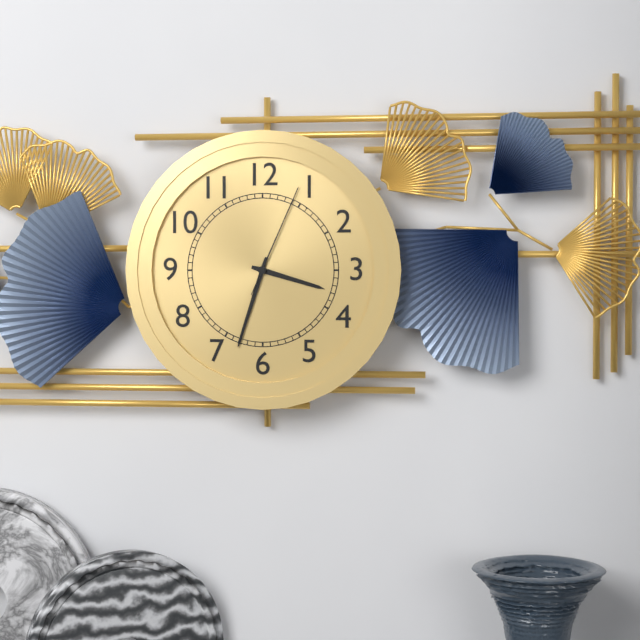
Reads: 3:33:04
